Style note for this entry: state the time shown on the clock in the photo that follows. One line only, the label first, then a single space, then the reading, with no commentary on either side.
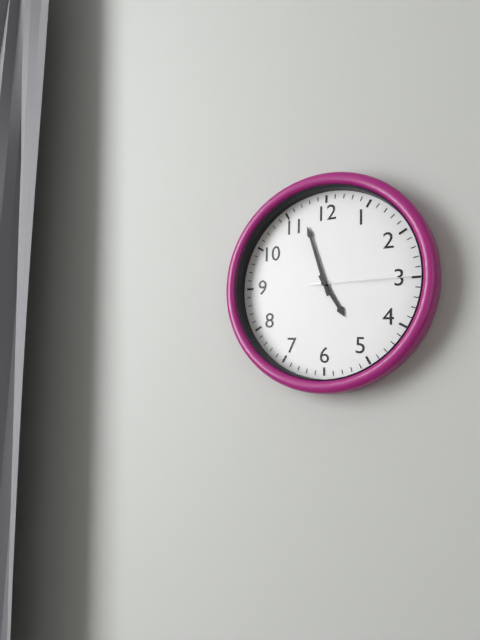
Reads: 4:57:15
